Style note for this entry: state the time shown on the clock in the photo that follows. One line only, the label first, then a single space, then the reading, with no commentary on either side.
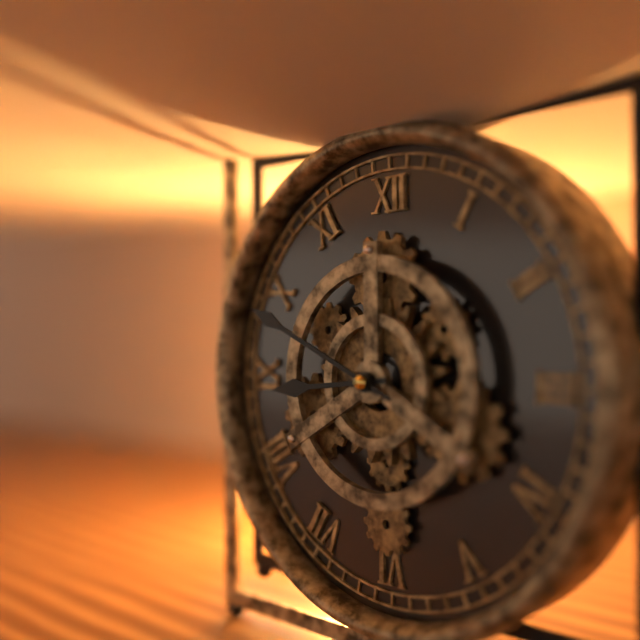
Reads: 8:49
